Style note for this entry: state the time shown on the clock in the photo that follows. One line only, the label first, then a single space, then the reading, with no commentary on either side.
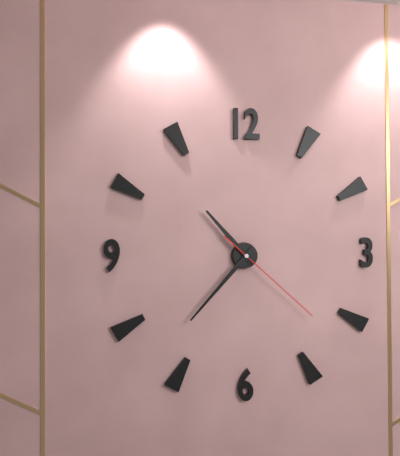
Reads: 10:37:22
